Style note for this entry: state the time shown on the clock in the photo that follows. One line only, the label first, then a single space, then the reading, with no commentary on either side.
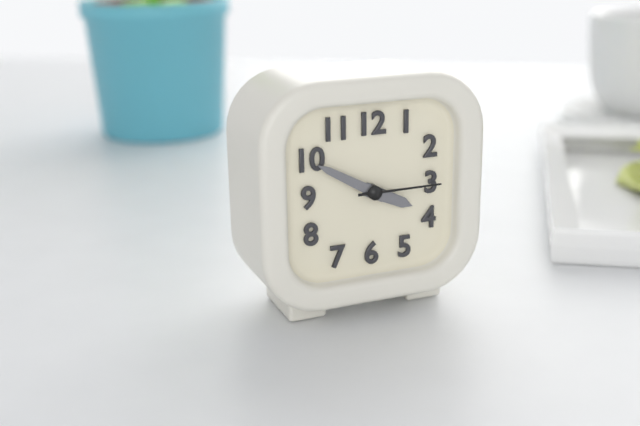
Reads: 3:50:15
